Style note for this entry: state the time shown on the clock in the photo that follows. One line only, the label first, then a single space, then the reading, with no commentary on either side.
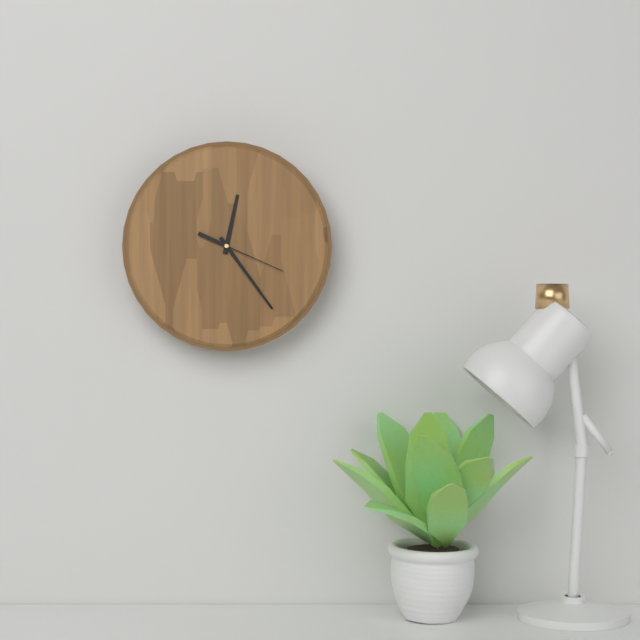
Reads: 12:24:19
